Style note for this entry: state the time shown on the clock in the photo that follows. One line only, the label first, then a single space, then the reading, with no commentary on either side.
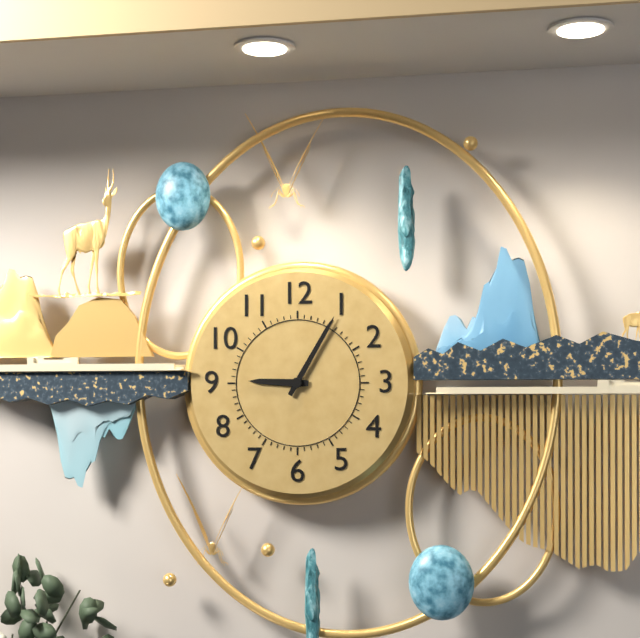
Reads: 9:05
